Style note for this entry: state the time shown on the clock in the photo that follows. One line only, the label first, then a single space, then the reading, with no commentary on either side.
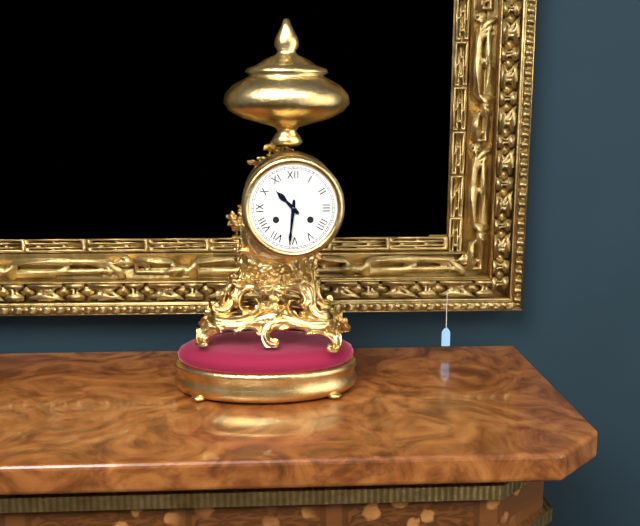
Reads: 10:31
